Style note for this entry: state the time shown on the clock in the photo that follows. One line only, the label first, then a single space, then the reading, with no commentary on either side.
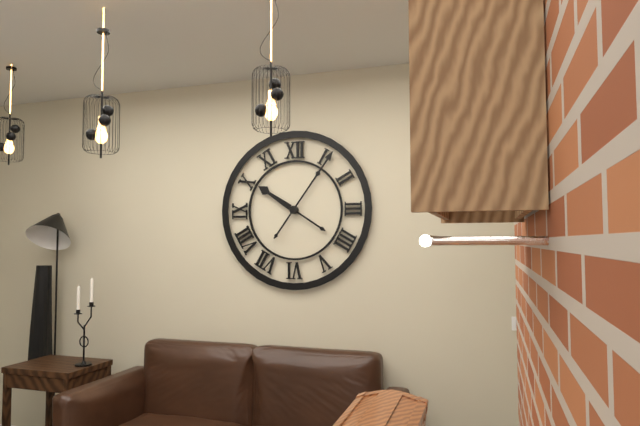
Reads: 10:06
